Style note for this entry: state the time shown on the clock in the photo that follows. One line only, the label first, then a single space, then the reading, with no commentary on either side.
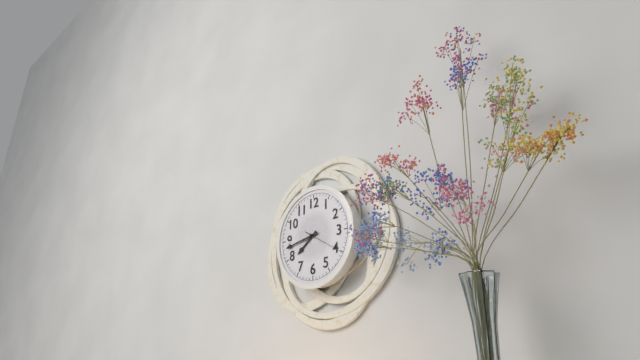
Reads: 7:43
